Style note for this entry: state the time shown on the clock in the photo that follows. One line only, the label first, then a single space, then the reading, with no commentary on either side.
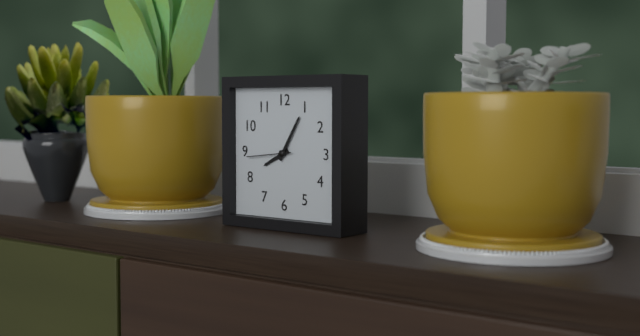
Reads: 8:05
